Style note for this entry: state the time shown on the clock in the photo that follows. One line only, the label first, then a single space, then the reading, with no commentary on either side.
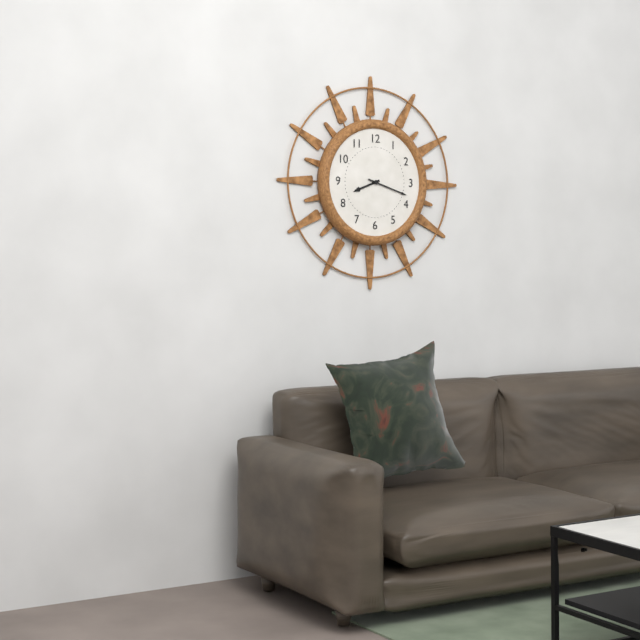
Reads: 8:18
